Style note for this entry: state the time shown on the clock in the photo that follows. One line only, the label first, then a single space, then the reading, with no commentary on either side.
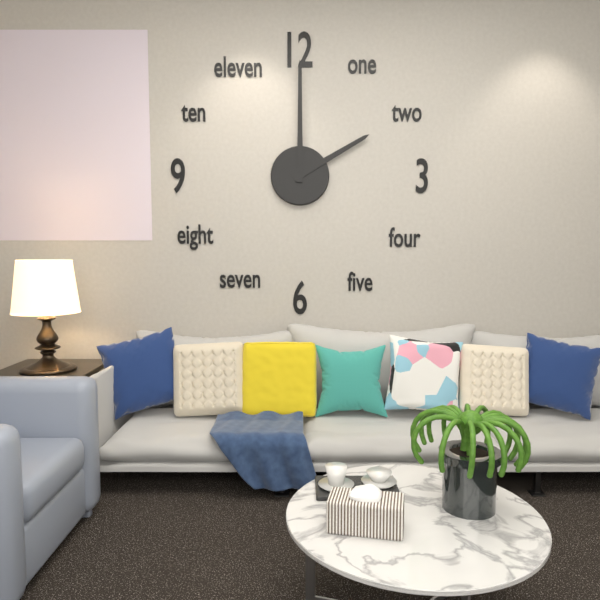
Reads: 2:00
